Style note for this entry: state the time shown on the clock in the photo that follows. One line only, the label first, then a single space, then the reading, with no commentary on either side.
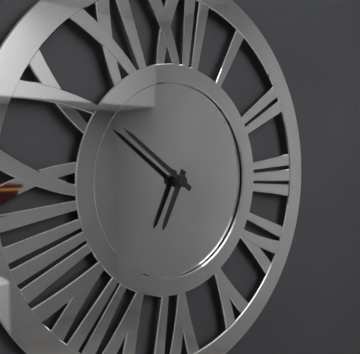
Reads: 6:51
